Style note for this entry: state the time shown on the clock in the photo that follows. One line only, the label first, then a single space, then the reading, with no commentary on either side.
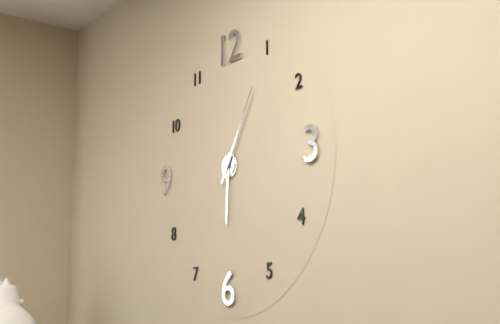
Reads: 6:05
